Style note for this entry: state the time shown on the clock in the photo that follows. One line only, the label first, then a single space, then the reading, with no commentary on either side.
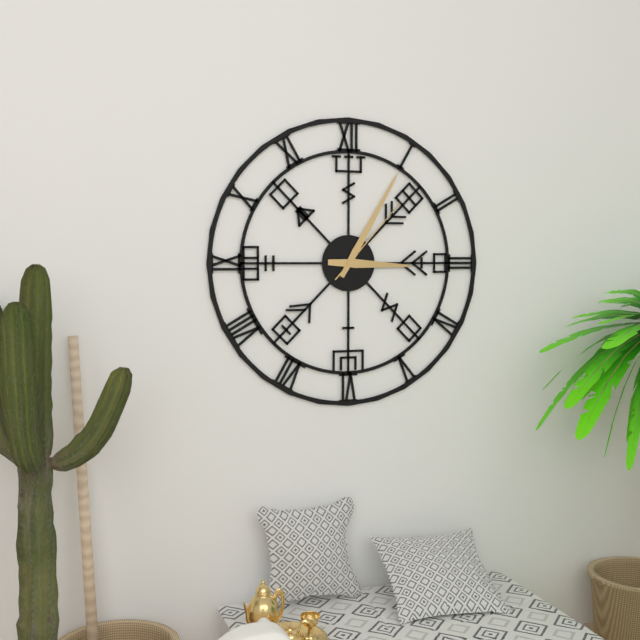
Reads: 3:05:07
